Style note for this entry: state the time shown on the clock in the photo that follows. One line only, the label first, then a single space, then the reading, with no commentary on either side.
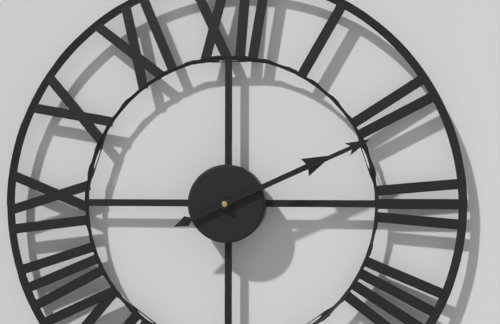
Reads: 2:11
